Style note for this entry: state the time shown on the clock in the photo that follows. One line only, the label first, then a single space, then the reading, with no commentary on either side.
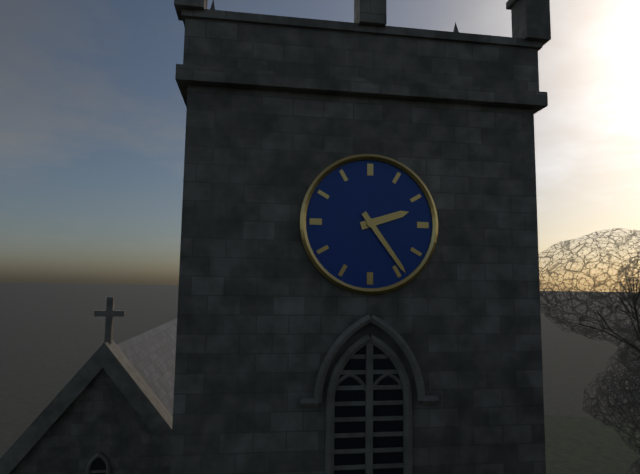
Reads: 2:24
